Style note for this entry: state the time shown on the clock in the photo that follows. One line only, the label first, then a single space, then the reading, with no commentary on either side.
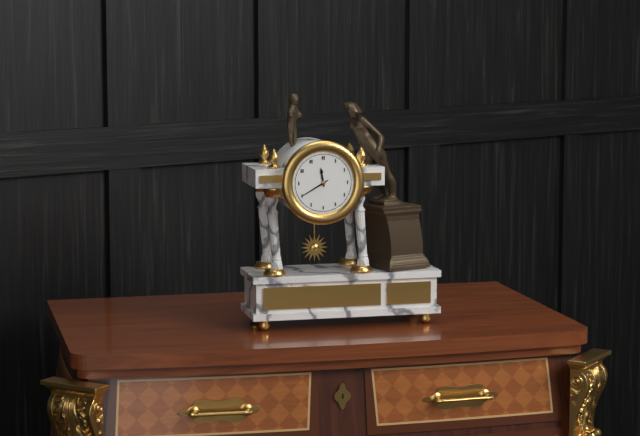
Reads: 11:40
